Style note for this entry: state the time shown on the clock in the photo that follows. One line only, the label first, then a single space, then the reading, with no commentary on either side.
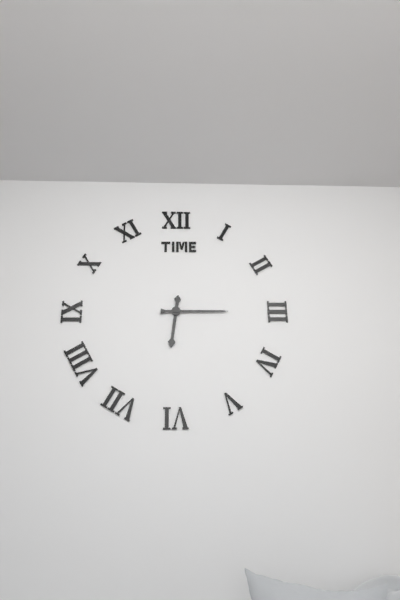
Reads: 6:15
